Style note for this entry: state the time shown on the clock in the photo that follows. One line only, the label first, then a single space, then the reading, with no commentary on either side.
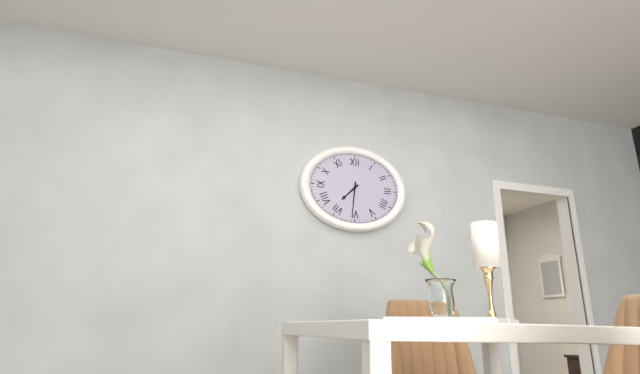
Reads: 7:31
